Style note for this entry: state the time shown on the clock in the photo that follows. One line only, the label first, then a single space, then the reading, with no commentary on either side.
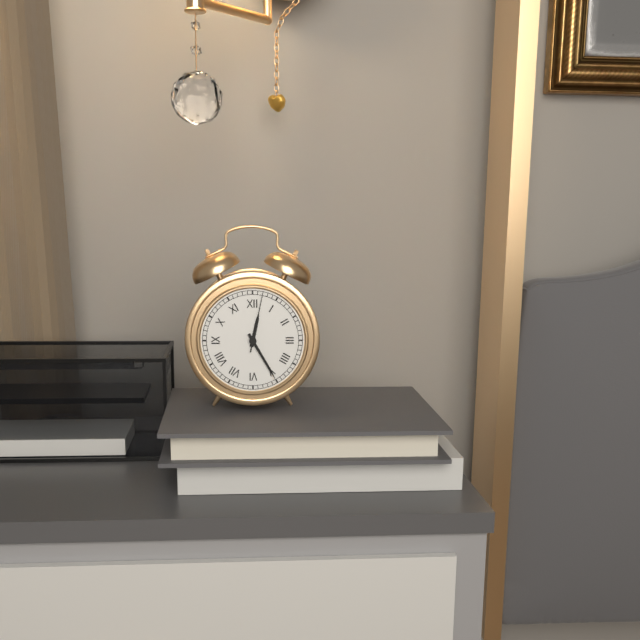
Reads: 12:25:02
